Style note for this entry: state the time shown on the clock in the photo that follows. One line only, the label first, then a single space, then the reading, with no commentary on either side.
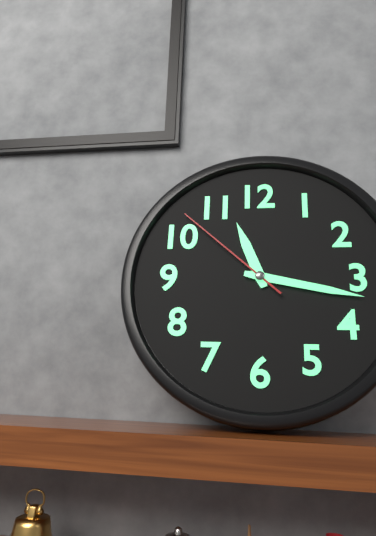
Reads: 11:17:52
